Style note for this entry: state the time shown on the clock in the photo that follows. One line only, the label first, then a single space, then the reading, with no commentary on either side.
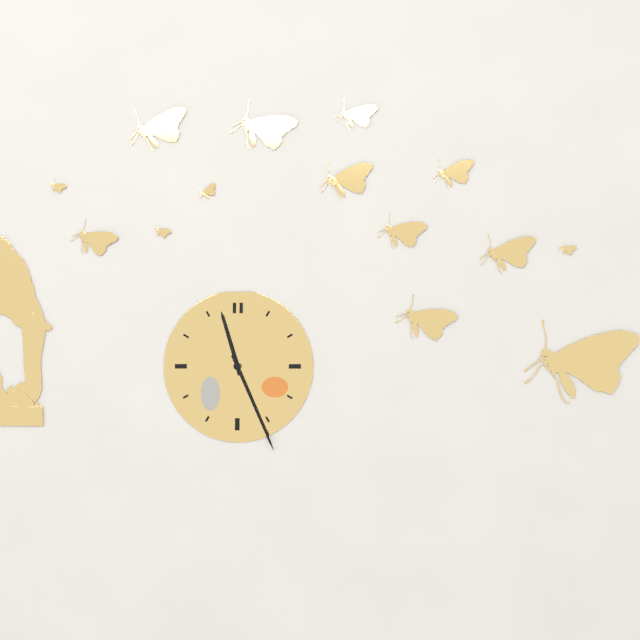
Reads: 11:26
